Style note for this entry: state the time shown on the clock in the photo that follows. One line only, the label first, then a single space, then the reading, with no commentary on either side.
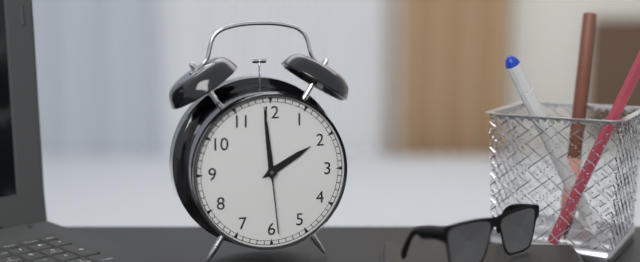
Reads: 1:59:29
